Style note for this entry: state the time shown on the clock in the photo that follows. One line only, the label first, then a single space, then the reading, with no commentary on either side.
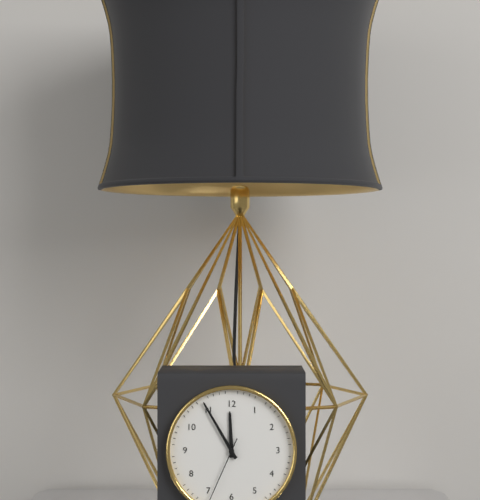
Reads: 11:55
